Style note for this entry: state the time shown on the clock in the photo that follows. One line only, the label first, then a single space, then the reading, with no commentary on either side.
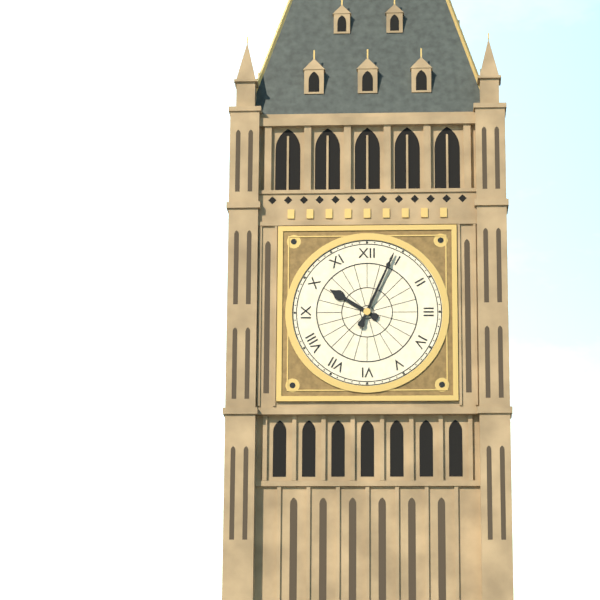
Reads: 10:04
